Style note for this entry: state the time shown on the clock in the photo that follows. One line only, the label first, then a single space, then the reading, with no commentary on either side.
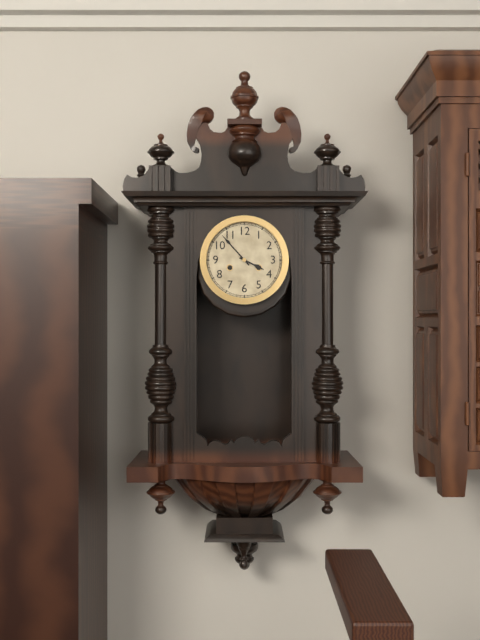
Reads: 3:53
